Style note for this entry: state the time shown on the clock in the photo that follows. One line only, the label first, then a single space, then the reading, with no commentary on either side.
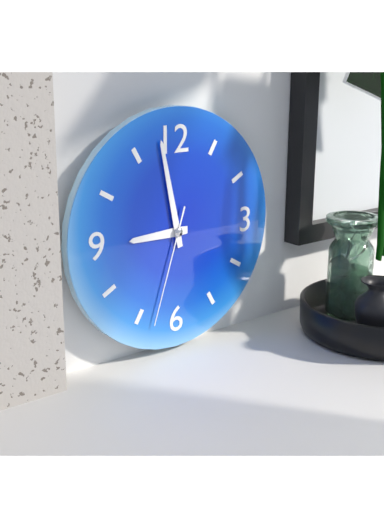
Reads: 8:58:33
